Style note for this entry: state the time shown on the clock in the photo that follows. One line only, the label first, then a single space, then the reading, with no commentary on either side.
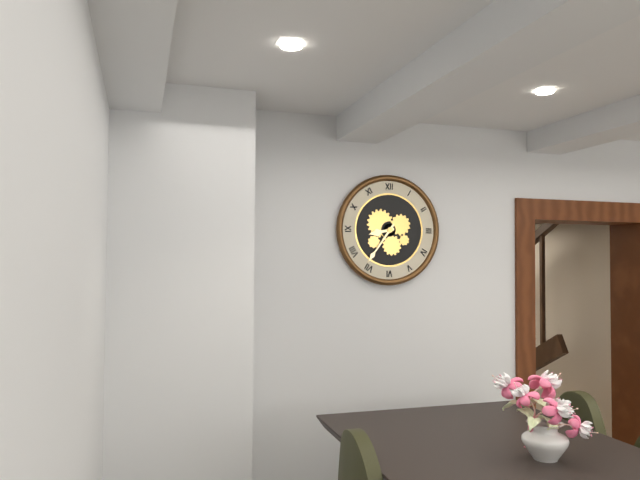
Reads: 8:36
